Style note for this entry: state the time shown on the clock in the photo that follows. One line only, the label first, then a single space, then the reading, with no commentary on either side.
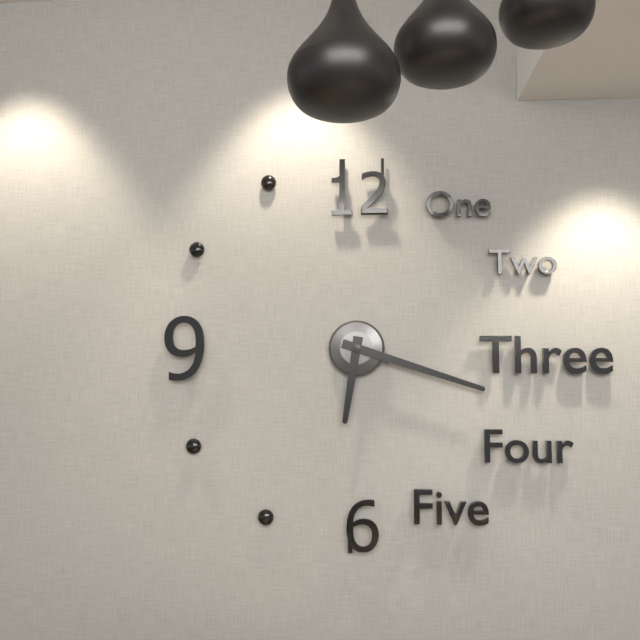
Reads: 6:18
